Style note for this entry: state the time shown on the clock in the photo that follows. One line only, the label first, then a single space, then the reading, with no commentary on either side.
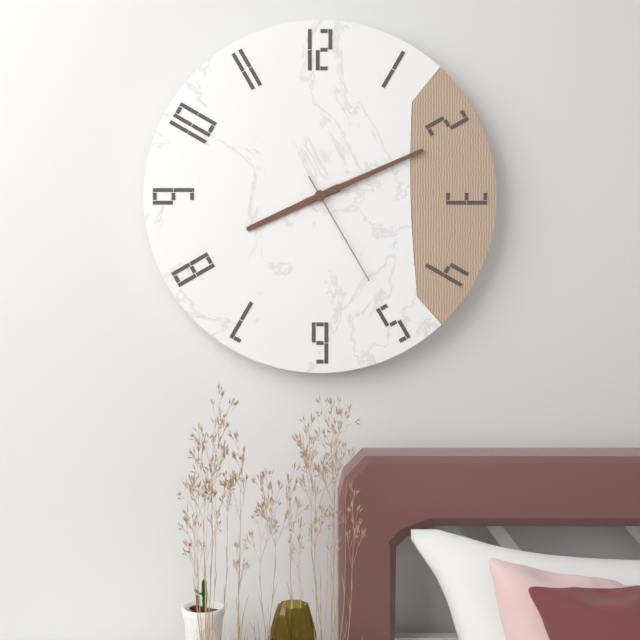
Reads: 8:11:25
